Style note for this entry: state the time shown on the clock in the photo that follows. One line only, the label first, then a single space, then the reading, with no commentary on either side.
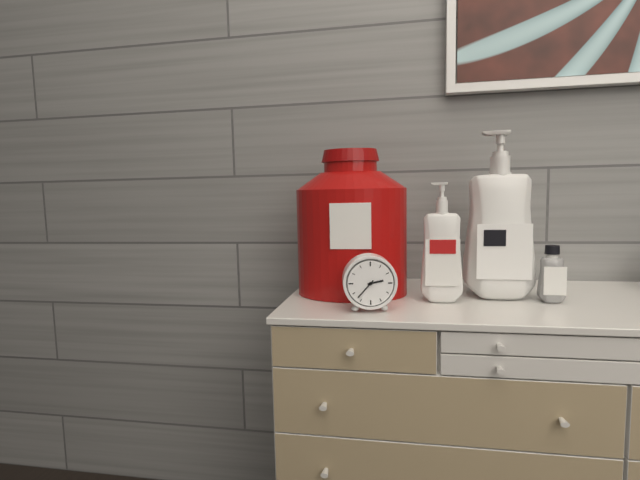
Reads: 2:37
